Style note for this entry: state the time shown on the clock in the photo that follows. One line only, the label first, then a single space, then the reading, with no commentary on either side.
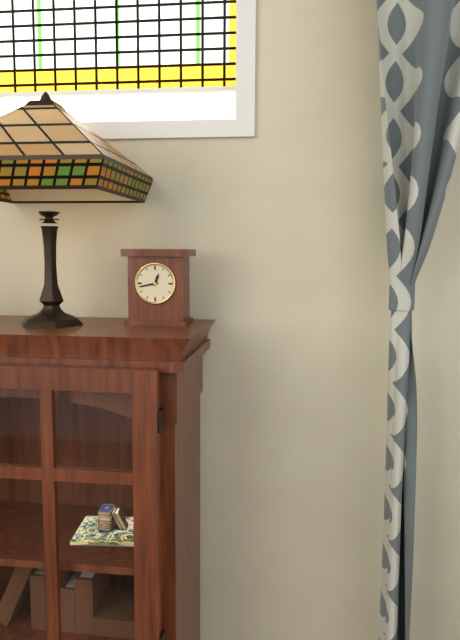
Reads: 12:43
